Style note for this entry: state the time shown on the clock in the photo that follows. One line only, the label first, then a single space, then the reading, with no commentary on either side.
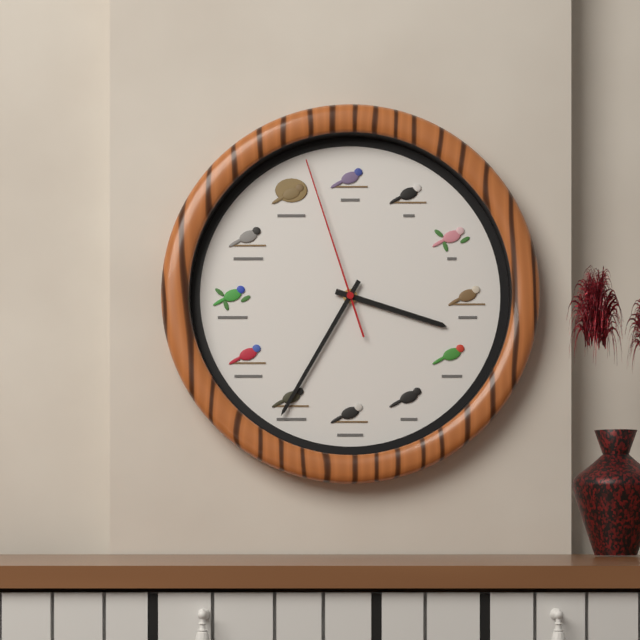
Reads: 3:35:57
